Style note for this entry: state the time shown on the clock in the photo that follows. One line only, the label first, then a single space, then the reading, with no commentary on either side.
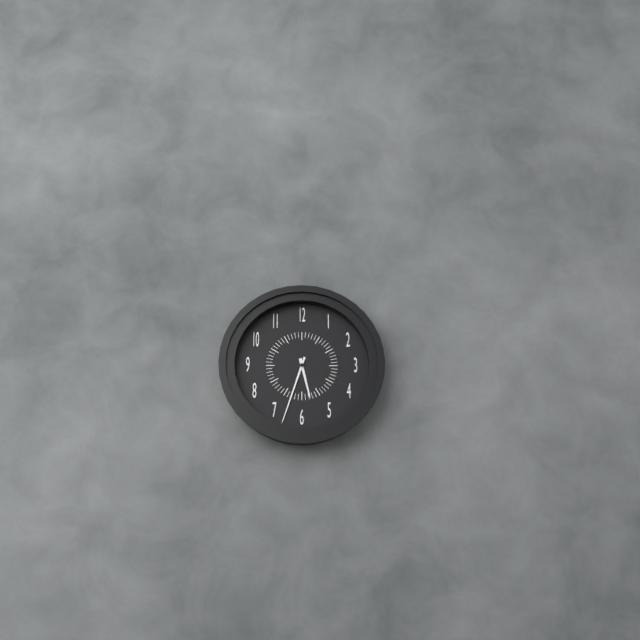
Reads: 5:33
